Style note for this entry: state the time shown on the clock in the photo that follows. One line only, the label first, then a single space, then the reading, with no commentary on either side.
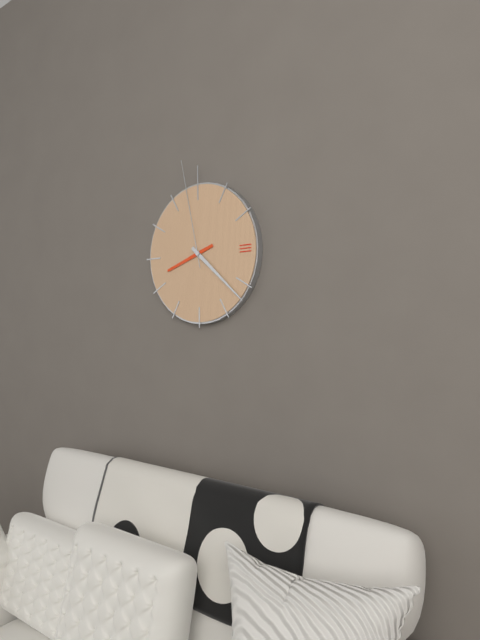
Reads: 8:22:58
